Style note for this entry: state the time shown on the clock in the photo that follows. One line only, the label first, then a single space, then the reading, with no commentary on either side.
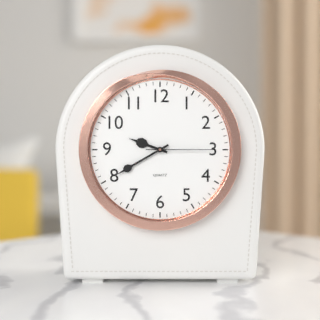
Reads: 9:40:15
